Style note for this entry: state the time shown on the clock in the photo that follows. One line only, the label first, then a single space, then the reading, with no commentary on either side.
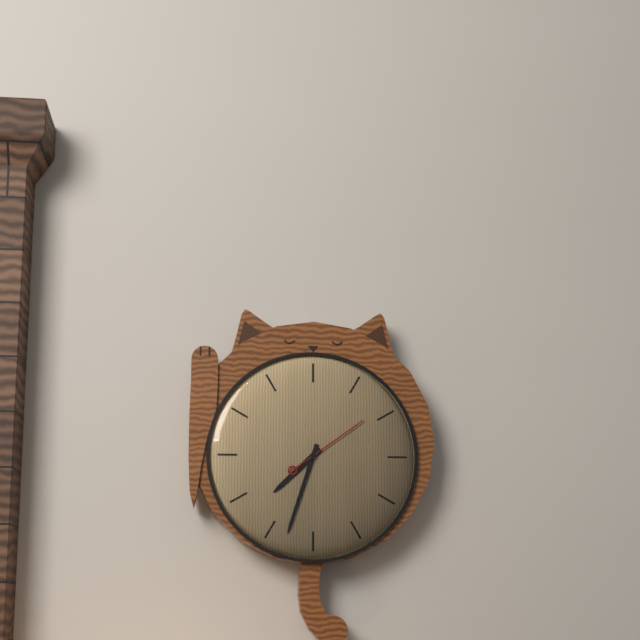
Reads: 7:33:09
